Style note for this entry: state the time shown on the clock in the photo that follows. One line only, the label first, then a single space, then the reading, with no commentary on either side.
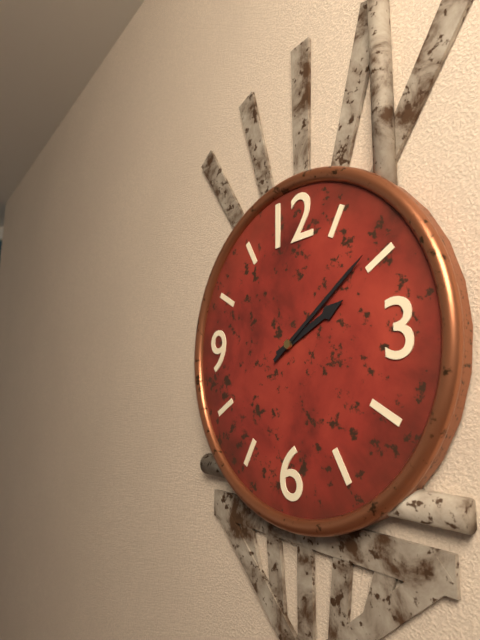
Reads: 2:09
